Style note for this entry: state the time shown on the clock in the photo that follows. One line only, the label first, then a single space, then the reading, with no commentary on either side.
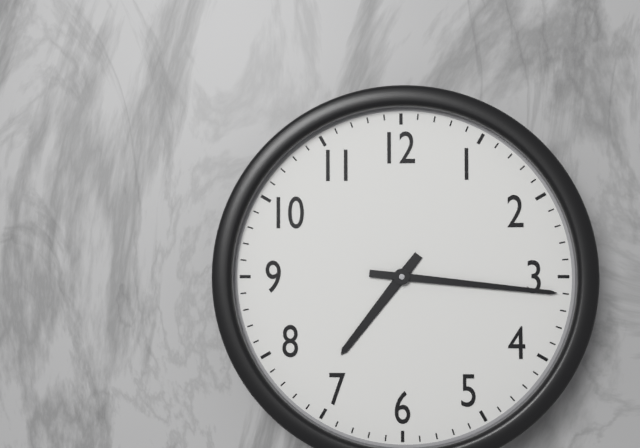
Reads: 7:16
